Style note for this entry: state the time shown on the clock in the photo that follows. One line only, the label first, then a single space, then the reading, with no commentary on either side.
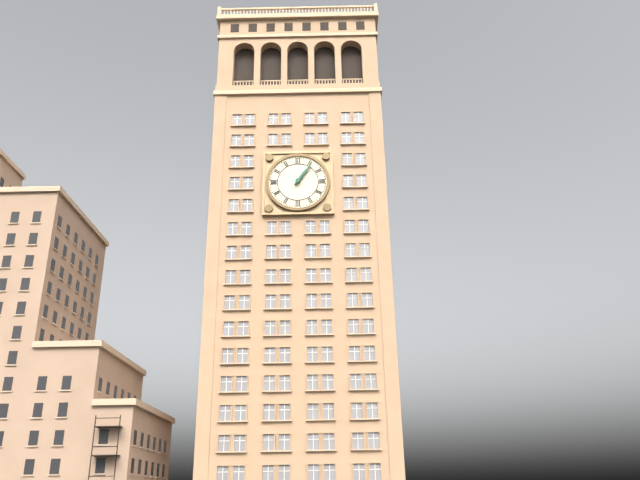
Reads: 1:06
